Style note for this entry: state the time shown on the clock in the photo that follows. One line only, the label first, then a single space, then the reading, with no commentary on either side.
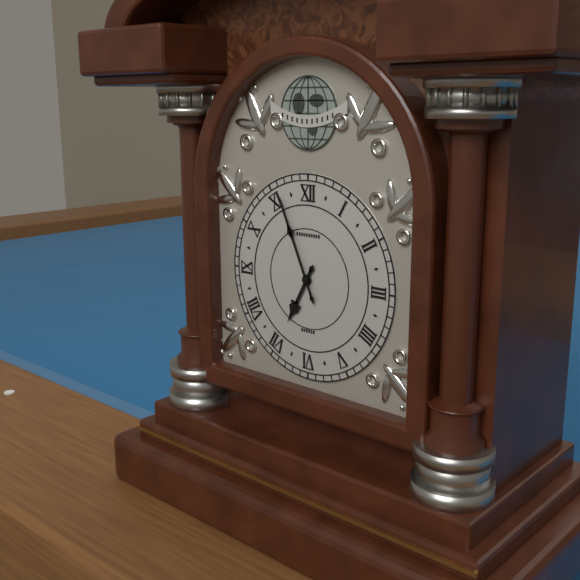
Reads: 6:56
